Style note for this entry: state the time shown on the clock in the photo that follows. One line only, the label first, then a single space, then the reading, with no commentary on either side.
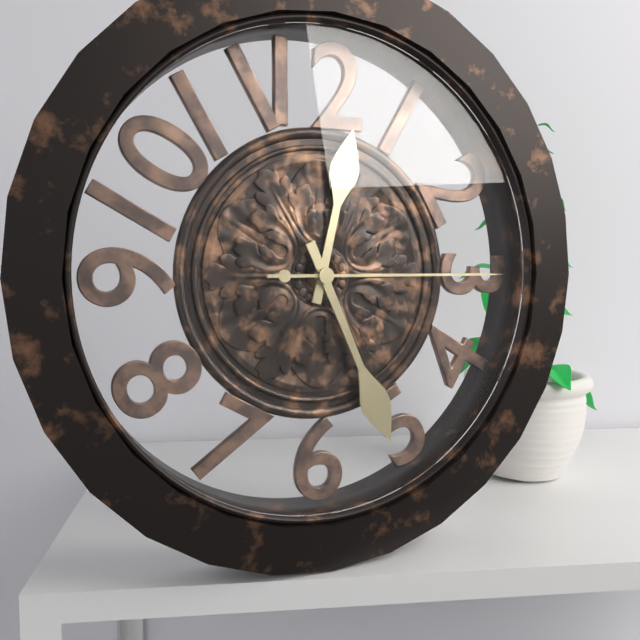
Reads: 12:26:15
